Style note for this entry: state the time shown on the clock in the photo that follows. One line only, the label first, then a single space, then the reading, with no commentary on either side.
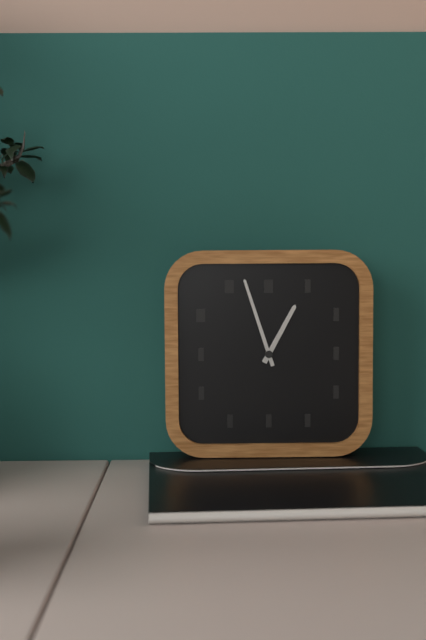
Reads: 12:57
